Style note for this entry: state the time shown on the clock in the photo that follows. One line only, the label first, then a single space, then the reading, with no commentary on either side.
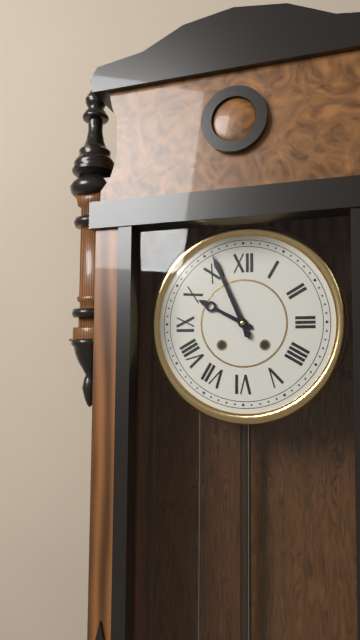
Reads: 9:56
